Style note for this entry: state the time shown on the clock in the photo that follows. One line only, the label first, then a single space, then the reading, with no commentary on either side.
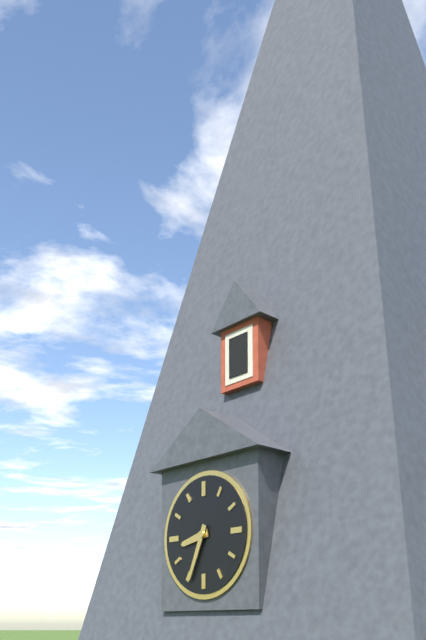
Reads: 8:34
